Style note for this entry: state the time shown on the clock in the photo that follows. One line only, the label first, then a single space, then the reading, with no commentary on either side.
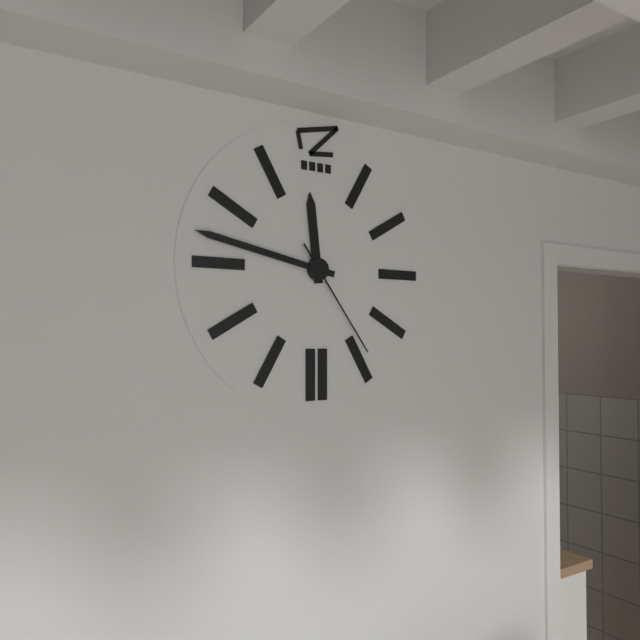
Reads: 11:47:24
